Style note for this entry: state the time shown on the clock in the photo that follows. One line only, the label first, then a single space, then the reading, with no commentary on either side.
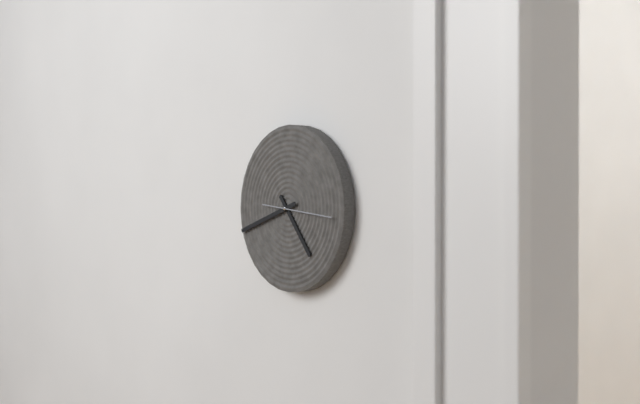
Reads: 4:42:16
